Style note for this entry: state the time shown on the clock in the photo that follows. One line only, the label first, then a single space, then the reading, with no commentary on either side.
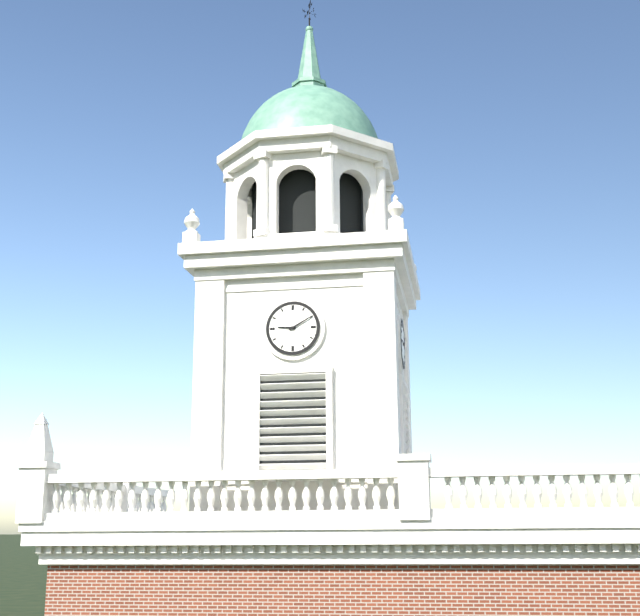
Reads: 9:10
